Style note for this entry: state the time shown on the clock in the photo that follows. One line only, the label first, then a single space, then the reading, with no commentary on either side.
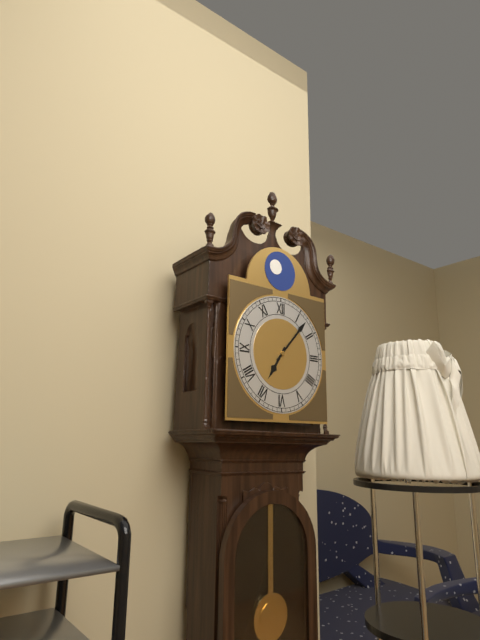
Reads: 7:07
